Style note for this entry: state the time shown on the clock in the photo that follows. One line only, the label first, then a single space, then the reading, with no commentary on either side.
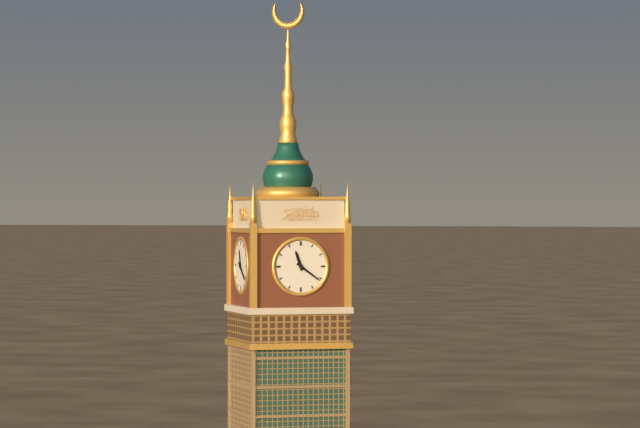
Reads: 11:21
